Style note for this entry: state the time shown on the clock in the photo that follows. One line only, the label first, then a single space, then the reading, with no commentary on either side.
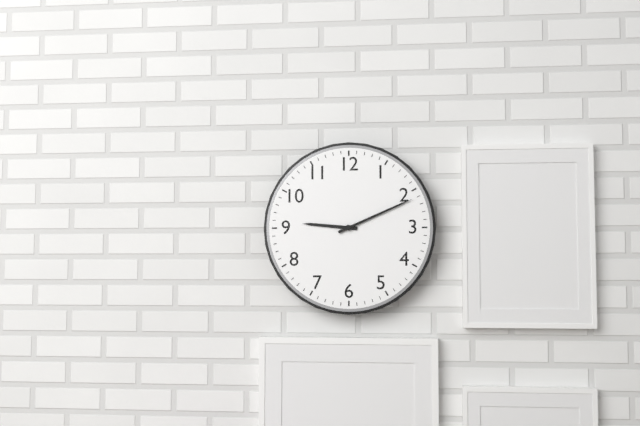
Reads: 9:11
